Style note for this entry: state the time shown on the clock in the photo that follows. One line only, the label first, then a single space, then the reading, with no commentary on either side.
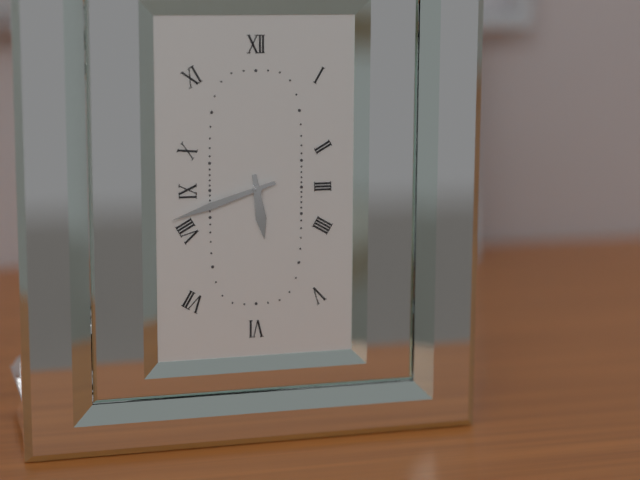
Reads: 5:42
